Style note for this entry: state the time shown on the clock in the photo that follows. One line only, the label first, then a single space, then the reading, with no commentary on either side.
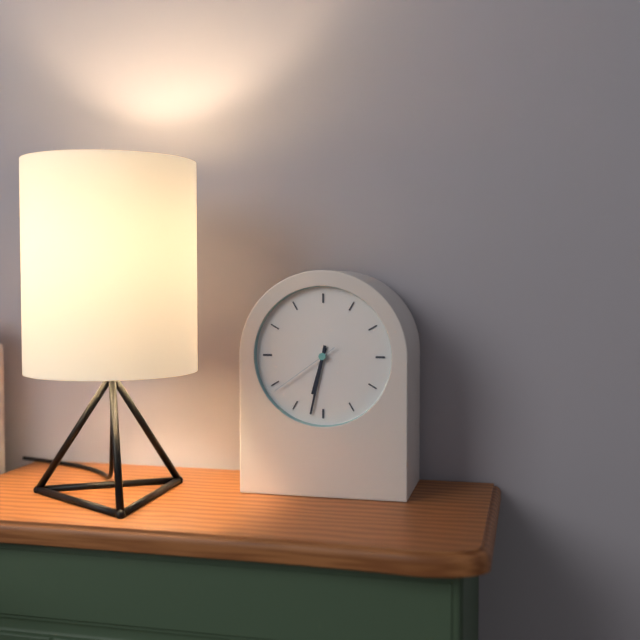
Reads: 6:32:39
